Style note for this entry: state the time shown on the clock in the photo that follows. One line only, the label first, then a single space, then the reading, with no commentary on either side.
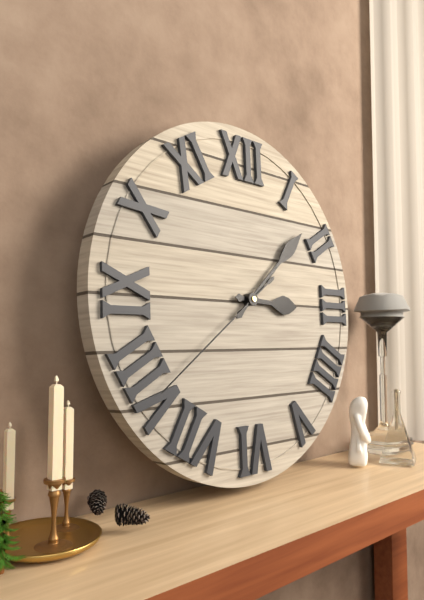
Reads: 3:08:39
